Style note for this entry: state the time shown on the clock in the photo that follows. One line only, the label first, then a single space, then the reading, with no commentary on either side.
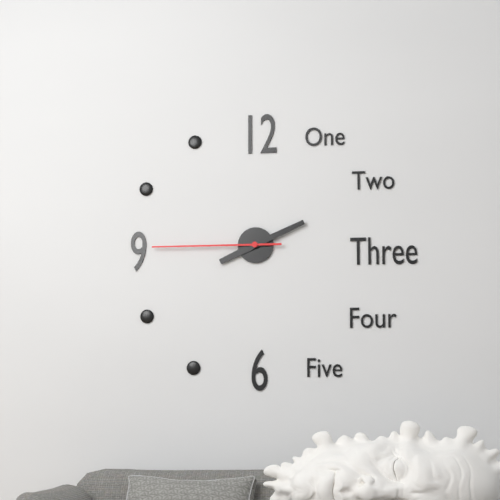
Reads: 8:11:45
